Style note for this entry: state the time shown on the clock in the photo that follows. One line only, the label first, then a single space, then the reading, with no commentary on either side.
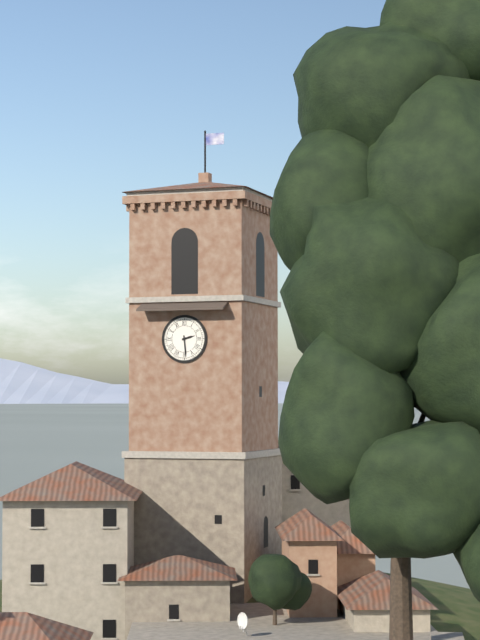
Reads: 2:29
